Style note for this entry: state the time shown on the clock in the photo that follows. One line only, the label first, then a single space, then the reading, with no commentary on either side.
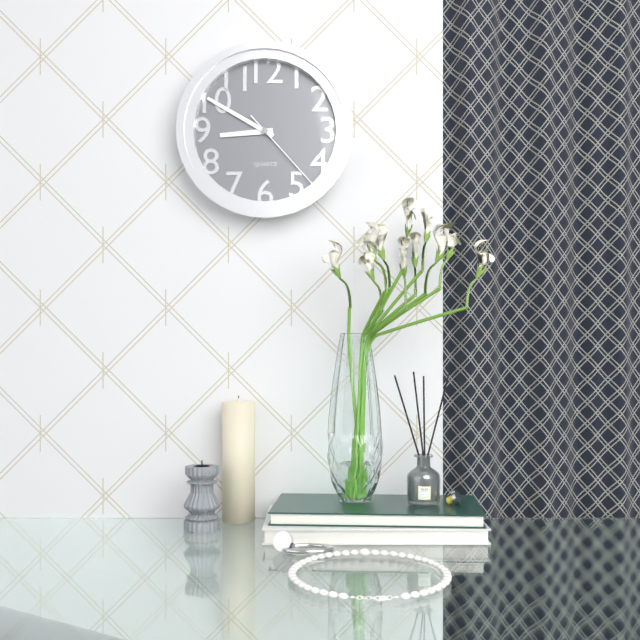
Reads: 8:50:23
